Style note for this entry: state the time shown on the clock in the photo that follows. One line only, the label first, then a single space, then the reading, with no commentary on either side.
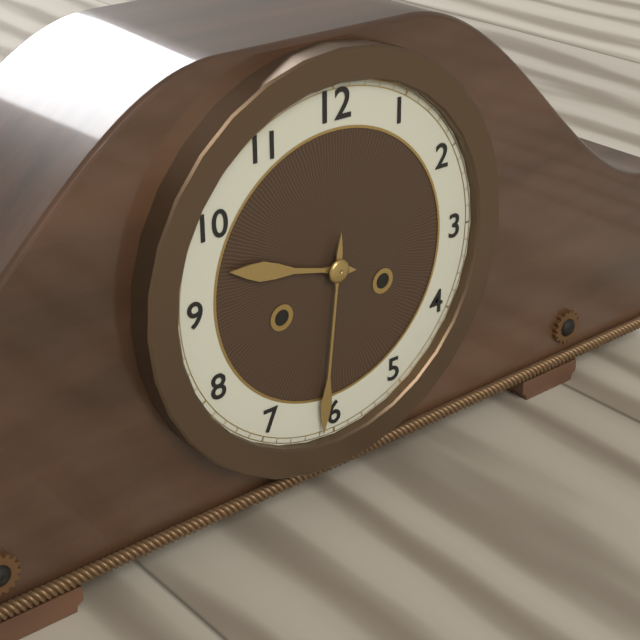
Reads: 9:31
